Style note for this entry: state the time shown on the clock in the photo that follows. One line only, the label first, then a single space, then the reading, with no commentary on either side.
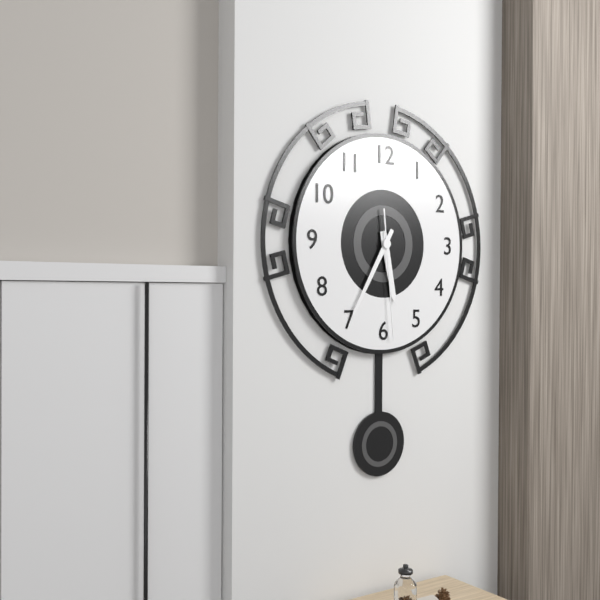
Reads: 5:35:29
